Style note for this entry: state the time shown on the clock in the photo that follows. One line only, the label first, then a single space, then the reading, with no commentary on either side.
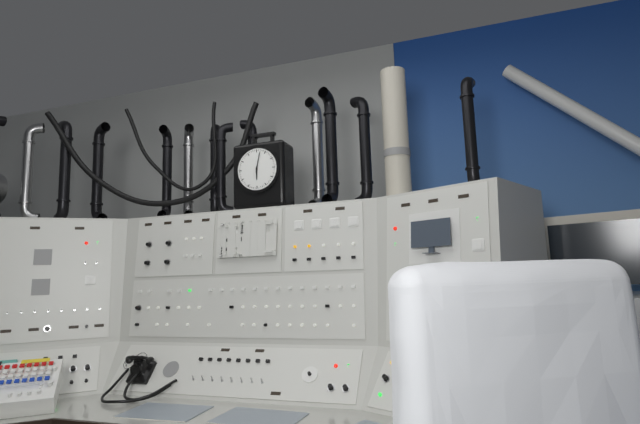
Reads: 6:02
